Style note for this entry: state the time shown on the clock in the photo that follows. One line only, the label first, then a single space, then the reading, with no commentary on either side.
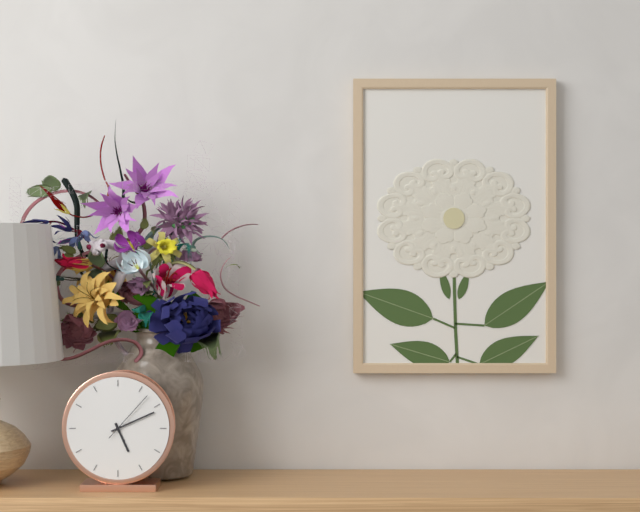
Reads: 5:11:07
